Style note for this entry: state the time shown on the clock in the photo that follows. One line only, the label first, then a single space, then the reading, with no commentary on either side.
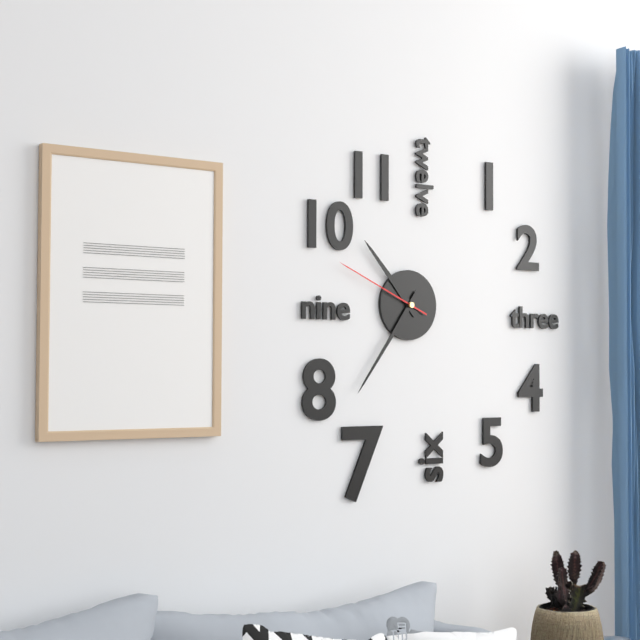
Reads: 10:36:49
